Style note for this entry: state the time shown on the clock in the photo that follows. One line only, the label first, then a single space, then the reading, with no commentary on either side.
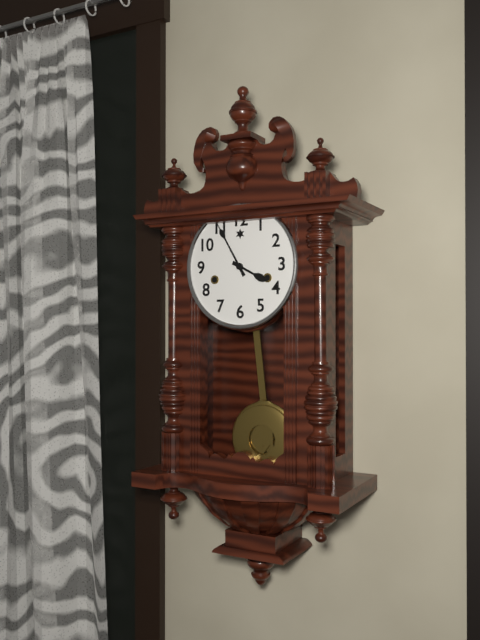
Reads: 3:55
